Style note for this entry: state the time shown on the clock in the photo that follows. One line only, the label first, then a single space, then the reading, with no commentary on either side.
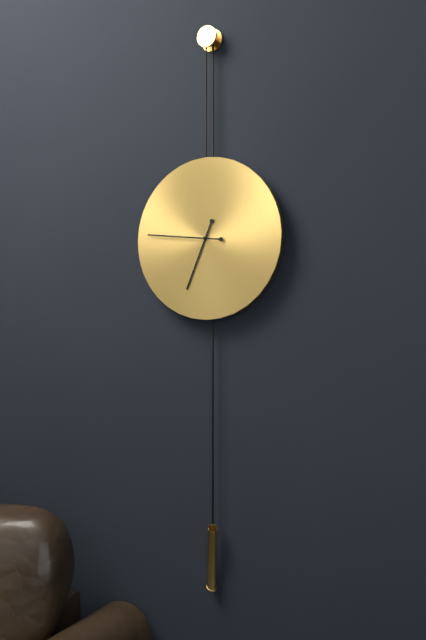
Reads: 6:46
